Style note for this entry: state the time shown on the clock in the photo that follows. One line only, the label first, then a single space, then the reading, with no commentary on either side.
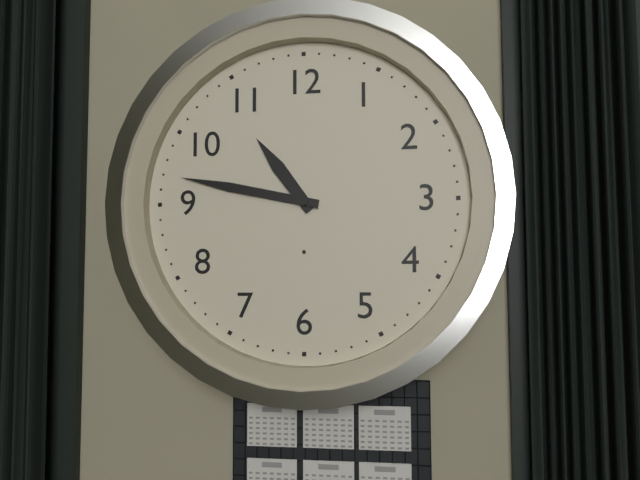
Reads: 10:47
